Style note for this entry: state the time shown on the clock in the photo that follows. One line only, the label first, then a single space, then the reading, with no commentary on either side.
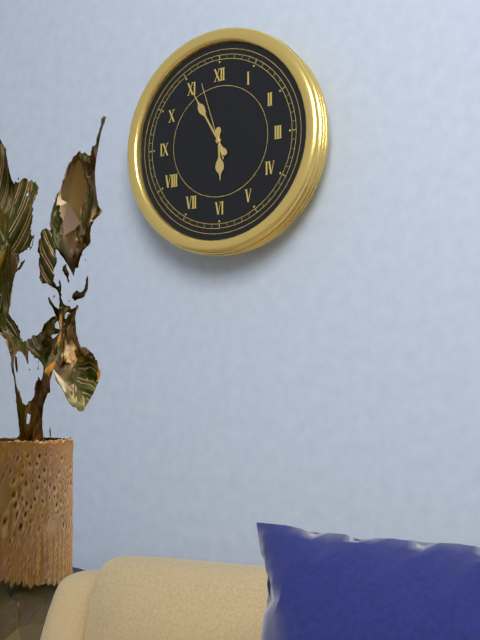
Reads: 5:55:57
